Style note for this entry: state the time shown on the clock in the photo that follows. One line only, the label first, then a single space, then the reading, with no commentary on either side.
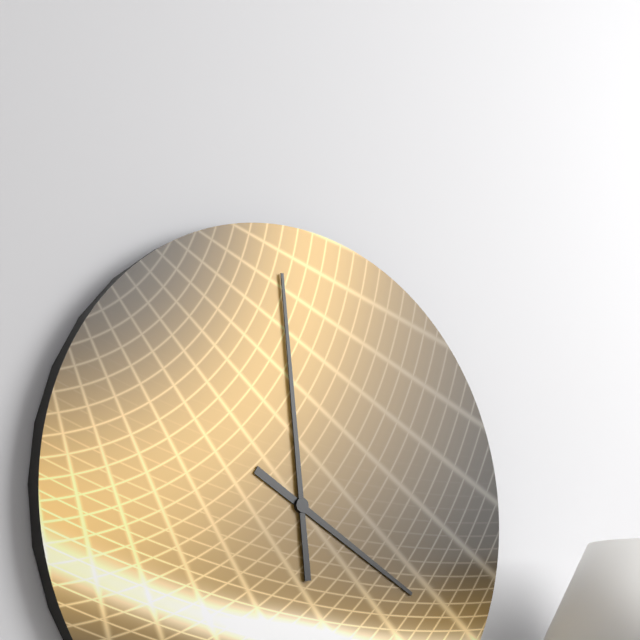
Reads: 3:59
